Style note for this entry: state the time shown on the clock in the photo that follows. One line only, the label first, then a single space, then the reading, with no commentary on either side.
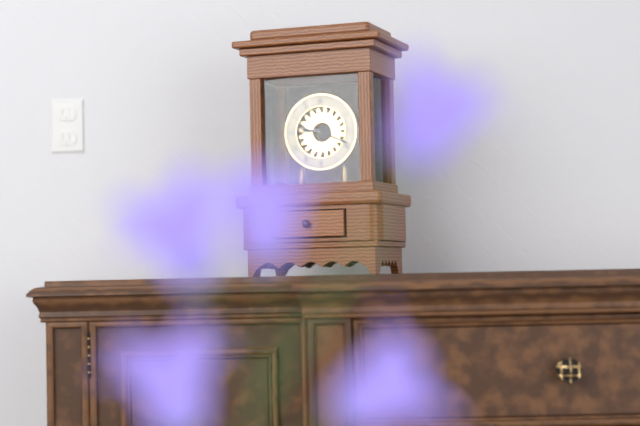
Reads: 9:19
